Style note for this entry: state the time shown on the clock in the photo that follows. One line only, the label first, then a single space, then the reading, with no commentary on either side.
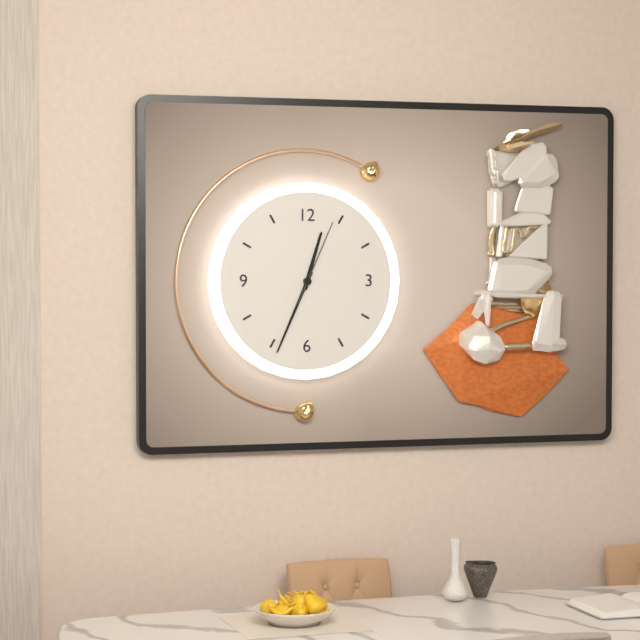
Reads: 12:34:04
